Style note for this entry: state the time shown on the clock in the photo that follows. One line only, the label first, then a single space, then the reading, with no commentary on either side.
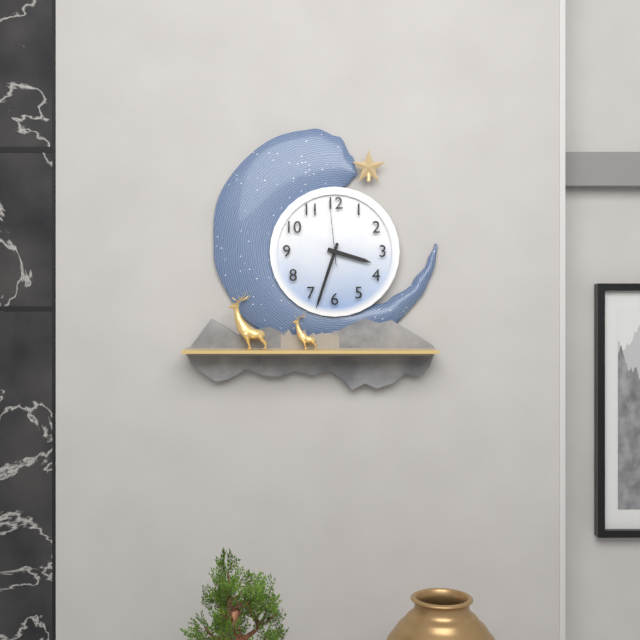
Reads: 3:33:59
